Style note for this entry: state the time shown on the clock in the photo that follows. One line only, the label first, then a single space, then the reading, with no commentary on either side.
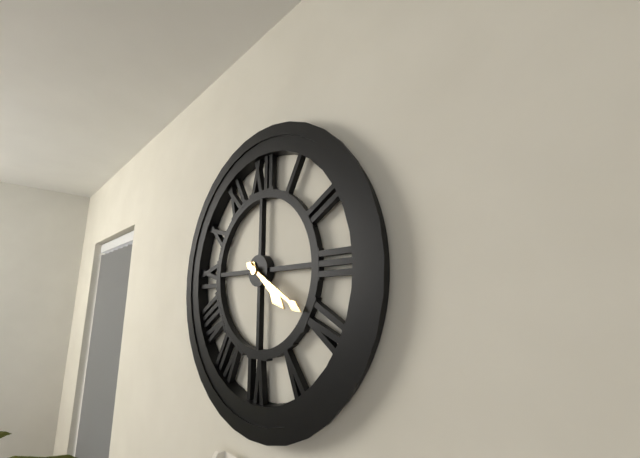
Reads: 4:20
